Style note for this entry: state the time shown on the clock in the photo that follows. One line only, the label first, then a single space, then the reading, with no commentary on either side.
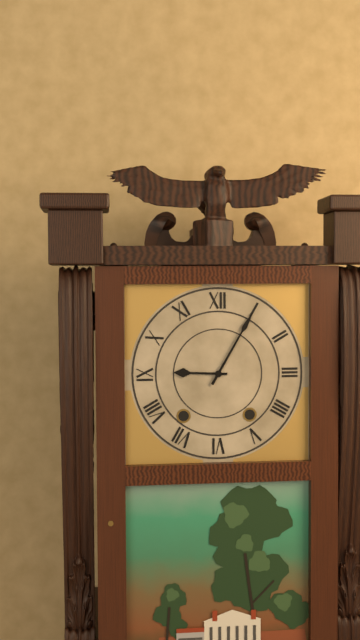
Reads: 9:05
